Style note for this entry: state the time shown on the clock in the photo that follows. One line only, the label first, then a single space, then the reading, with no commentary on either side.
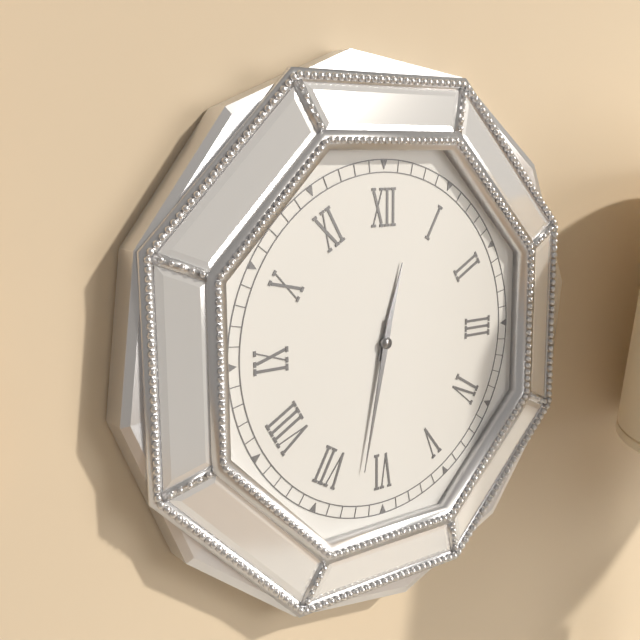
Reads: 12:32
